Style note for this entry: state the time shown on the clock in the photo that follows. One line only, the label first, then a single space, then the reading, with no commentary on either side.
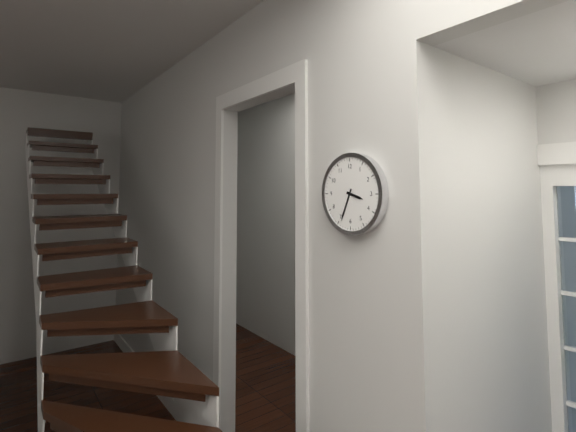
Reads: 3:34
